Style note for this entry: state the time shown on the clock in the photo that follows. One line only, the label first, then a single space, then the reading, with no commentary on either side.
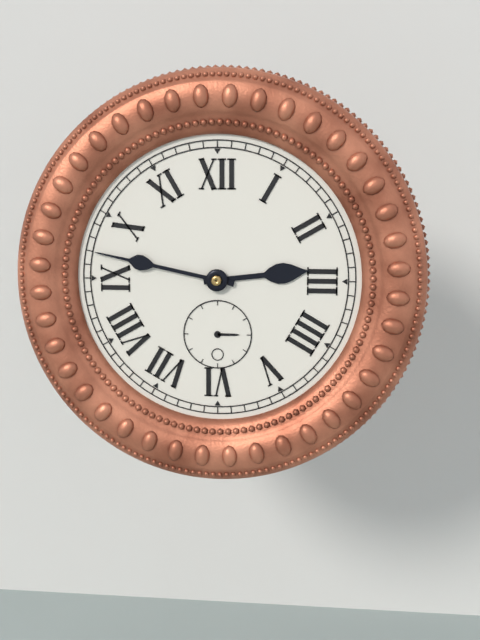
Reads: 2:47
